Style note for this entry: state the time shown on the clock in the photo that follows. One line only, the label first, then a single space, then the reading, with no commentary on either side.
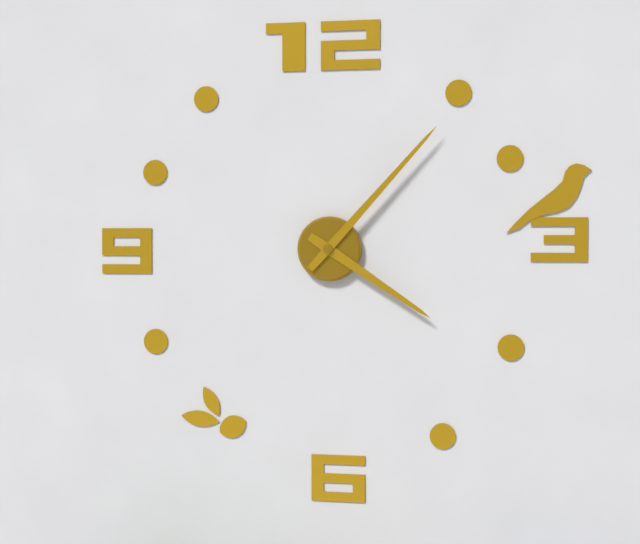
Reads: 4:07
